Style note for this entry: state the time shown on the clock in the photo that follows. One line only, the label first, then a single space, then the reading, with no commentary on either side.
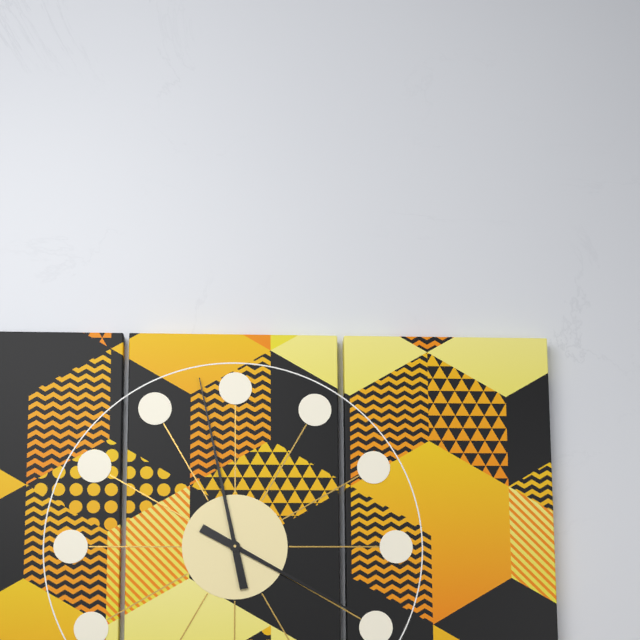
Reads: 3:58
